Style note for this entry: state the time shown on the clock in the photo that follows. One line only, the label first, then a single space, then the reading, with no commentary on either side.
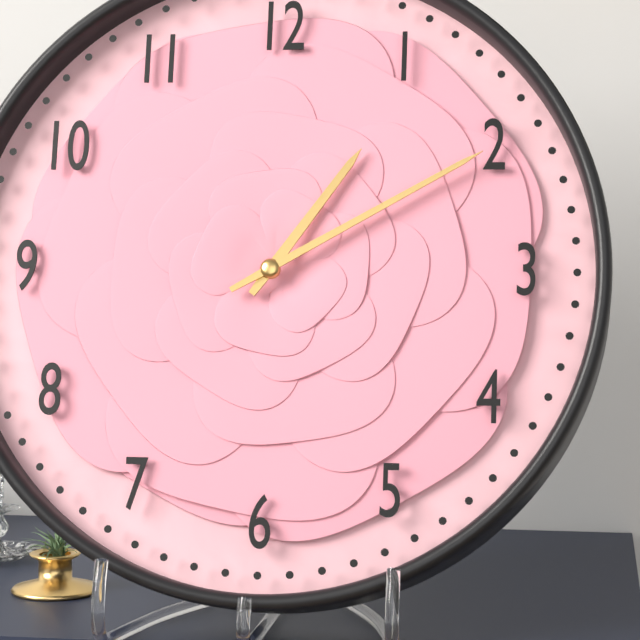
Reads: 1:10
